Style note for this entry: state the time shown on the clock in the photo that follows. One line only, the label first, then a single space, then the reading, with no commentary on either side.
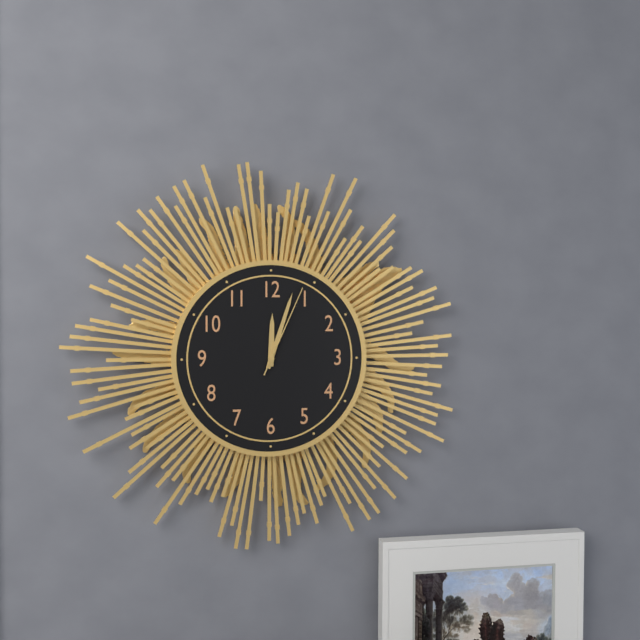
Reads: 12:03:04
